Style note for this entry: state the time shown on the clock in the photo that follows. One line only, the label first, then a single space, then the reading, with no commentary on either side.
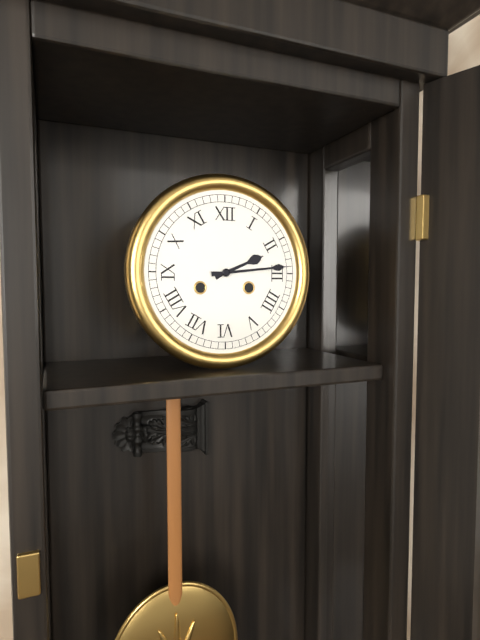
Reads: 2:14
